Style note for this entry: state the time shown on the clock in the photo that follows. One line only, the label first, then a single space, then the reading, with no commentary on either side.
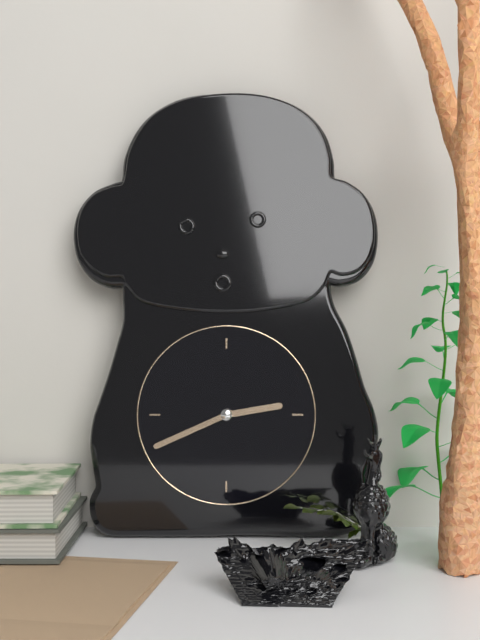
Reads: 2:41
